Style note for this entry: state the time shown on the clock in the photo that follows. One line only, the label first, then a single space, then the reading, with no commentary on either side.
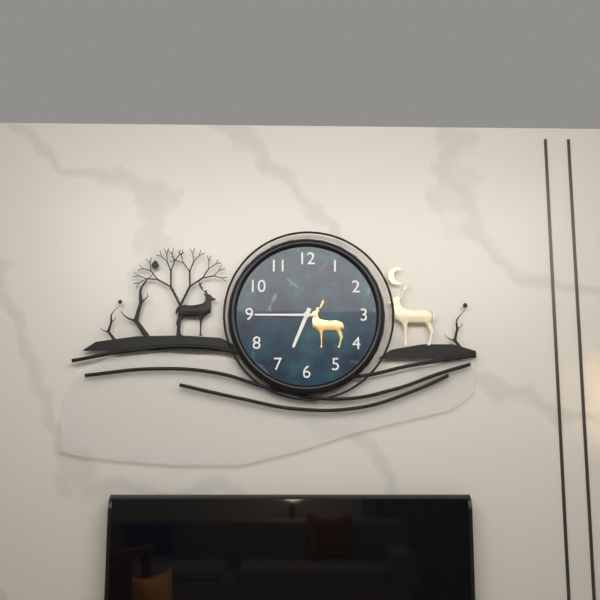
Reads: 6:45
